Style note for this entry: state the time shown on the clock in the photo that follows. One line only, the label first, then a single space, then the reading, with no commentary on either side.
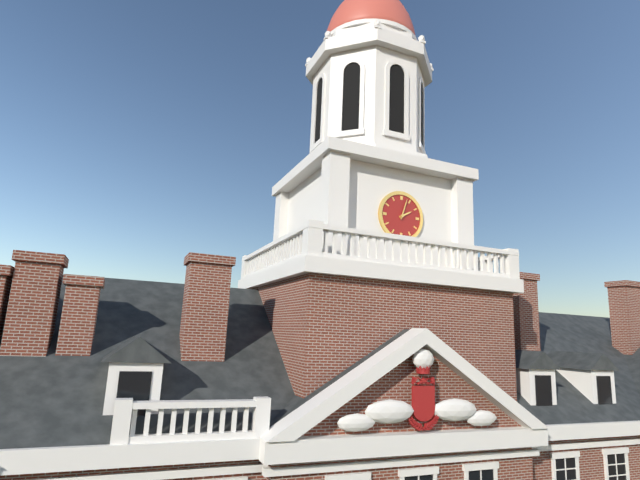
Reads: 2:03
